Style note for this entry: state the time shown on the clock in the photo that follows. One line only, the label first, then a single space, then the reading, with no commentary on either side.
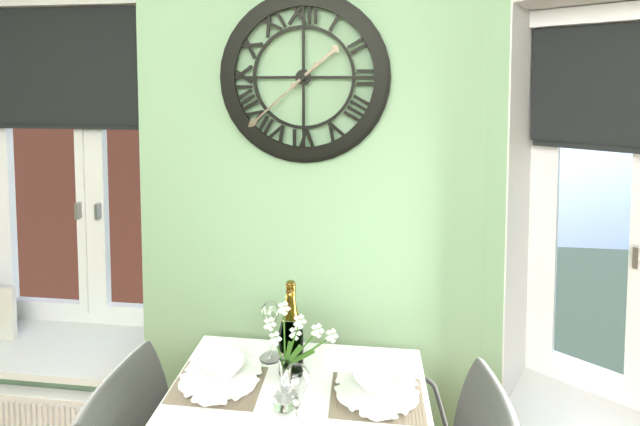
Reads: 1:38
